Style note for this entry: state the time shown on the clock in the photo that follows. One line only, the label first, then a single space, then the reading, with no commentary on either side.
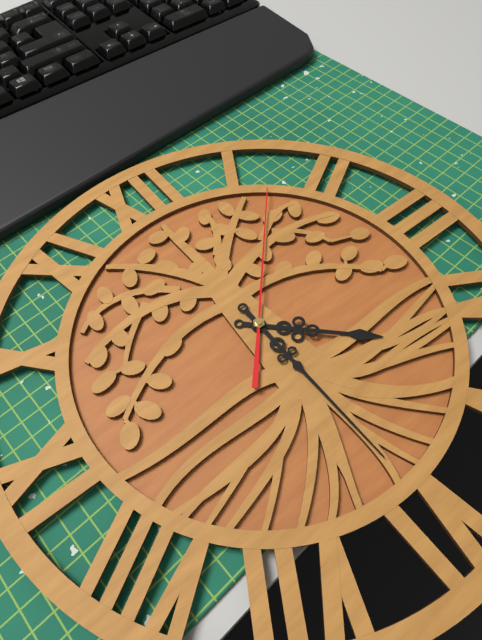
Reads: 4:30:07
